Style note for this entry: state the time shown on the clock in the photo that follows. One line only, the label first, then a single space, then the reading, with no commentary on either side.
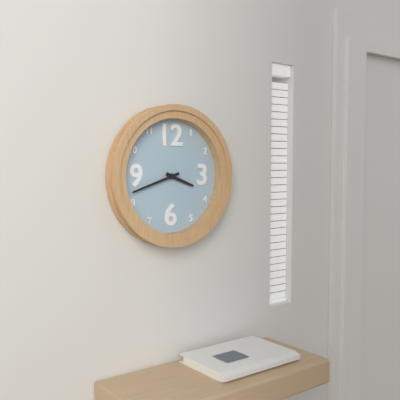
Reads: 3:42
